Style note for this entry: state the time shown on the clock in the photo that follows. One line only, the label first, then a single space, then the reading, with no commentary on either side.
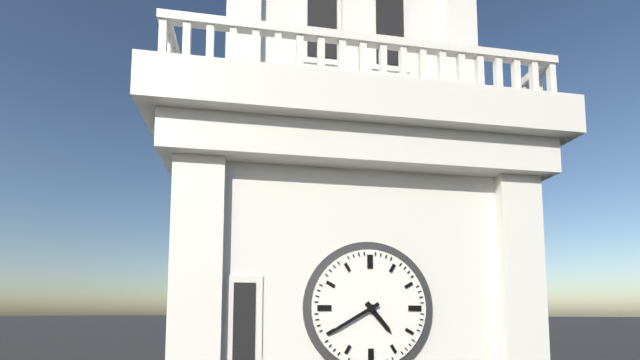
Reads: 4:40
